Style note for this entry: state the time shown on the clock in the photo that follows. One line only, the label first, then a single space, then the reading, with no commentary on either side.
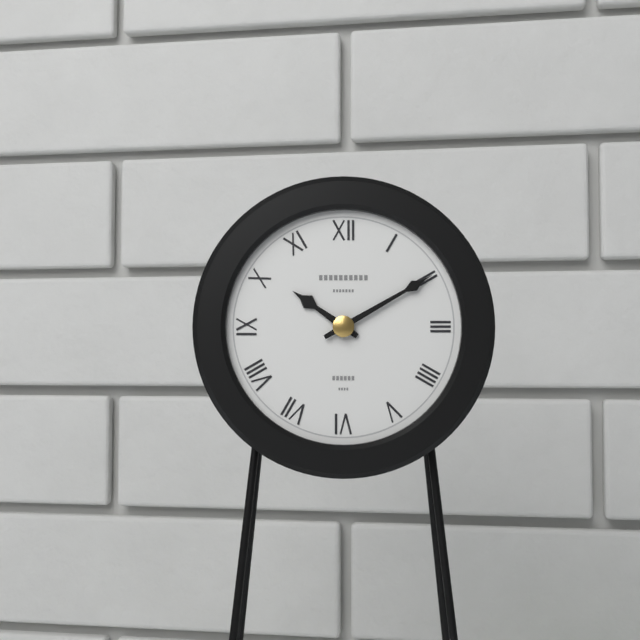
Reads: 10:10
